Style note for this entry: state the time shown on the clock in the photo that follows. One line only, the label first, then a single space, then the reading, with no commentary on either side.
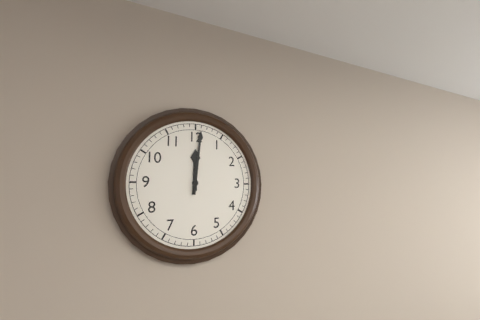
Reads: 12:01
